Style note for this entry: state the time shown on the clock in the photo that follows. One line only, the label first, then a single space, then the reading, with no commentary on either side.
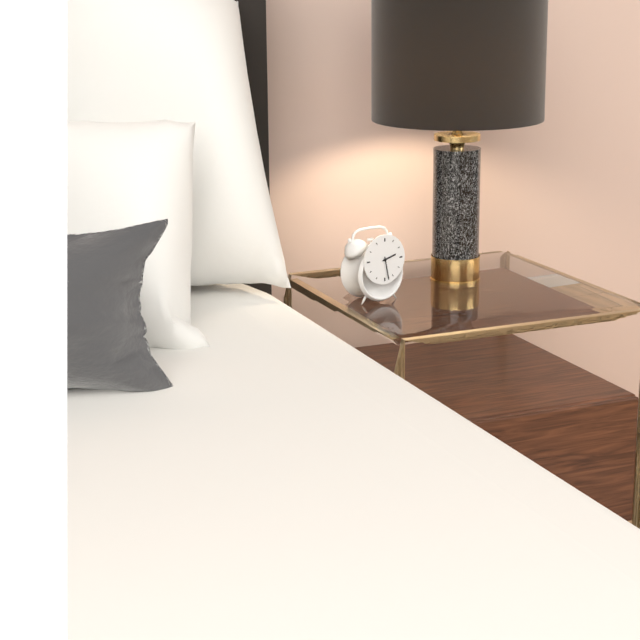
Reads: 2:28
